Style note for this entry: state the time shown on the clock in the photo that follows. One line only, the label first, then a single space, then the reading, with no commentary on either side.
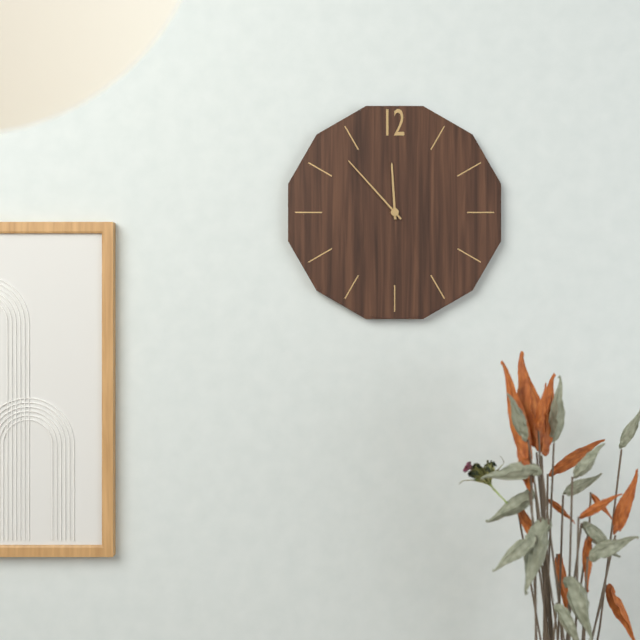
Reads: 11:53
